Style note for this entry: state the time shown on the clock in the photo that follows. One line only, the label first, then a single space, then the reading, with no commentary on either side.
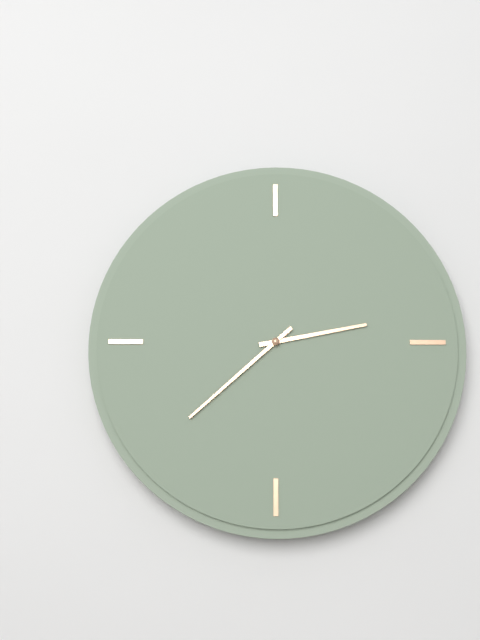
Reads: 2:38
